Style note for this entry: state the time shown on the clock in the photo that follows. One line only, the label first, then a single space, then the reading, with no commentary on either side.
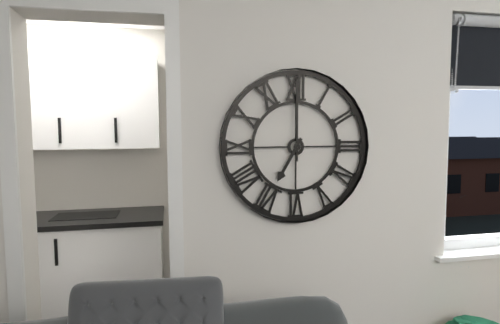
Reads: 7:00
